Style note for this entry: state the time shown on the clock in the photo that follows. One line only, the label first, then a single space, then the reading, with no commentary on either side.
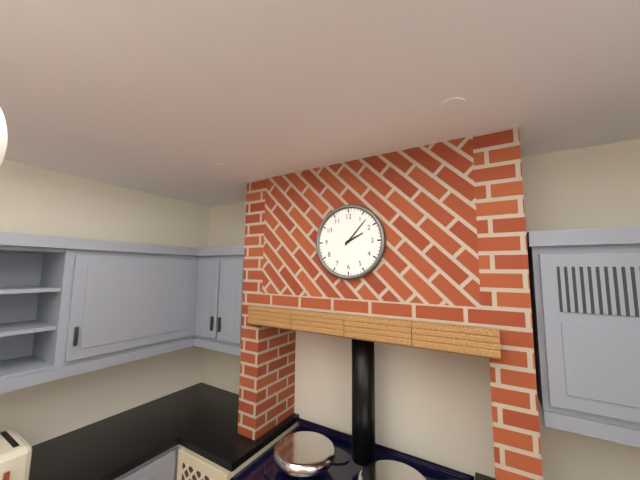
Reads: 2:07
